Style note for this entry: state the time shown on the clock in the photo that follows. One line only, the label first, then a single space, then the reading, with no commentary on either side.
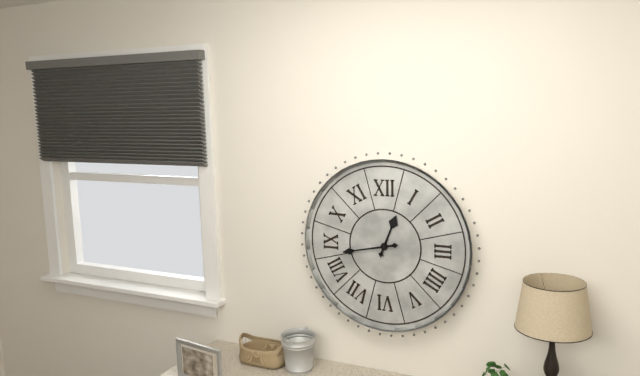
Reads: 12:43
